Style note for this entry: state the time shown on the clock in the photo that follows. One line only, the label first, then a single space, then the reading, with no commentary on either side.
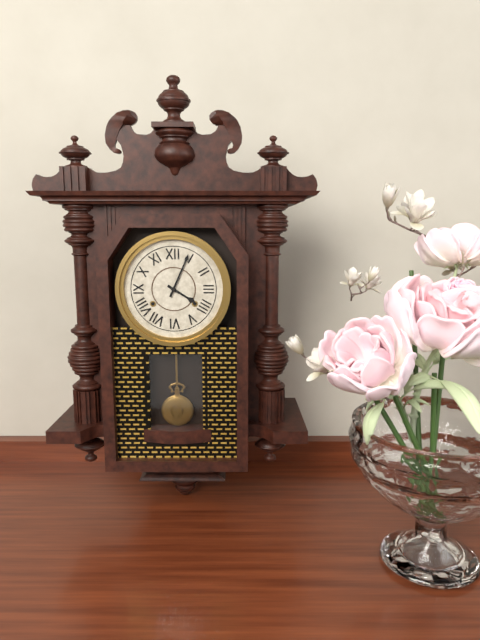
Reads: 4:04
